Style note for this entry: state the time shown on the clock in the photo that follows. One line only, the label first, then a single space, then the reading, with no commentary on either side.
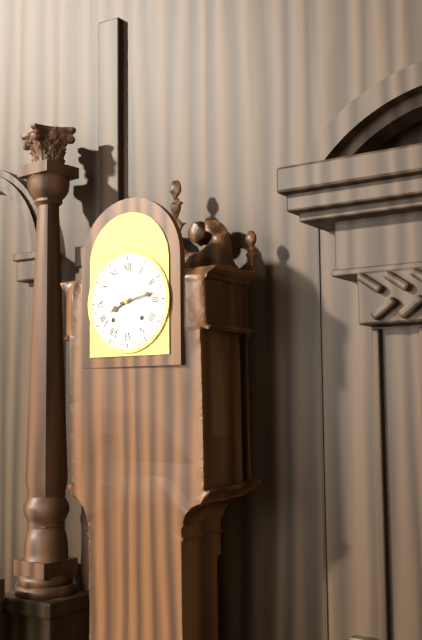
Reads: 8:13
